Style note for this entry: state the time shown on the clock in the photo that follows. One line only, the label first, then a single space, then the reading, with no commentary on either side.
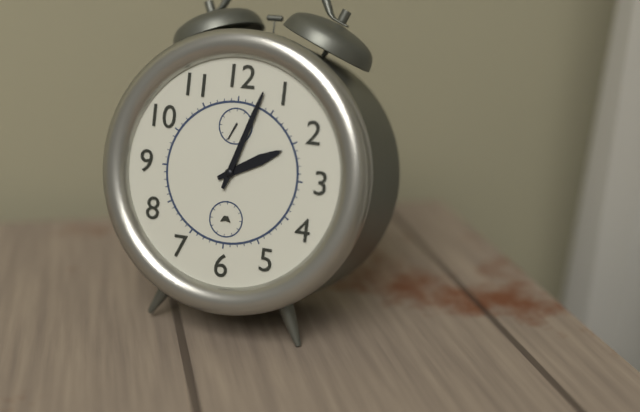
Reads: 2:03
